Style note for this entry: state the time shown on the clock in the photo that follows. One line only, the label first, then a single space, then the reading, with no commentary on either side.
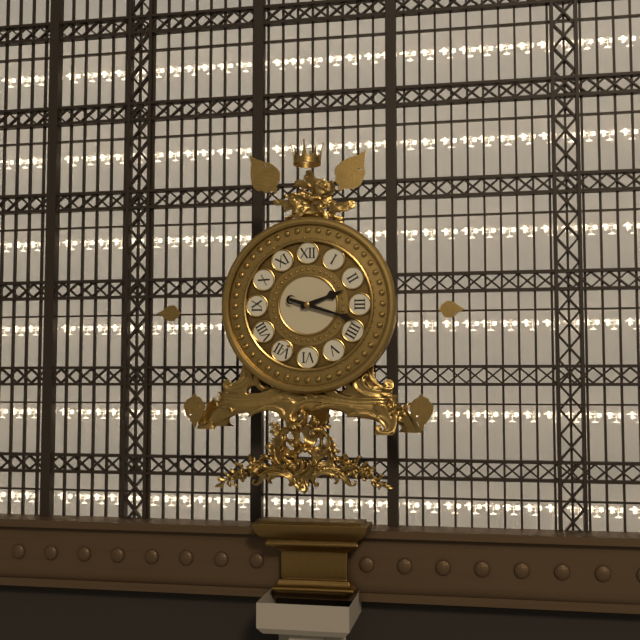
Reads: 2:18
